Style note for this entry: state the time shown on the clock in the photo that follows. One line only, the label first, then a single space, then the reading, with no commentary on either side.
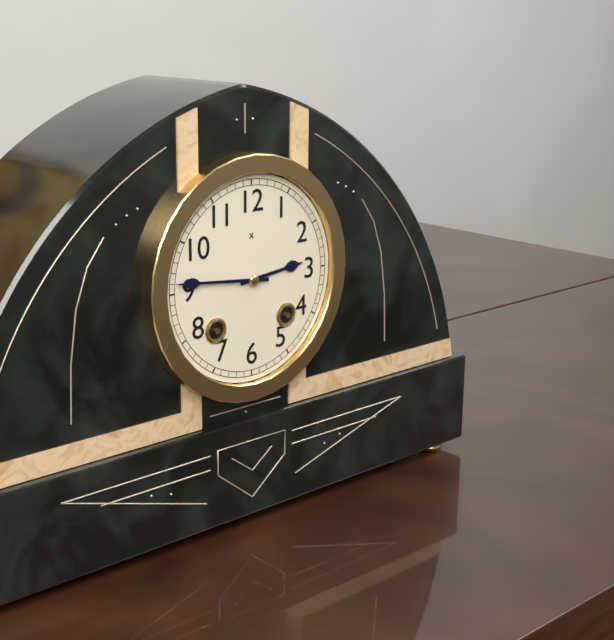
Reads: 2:46
